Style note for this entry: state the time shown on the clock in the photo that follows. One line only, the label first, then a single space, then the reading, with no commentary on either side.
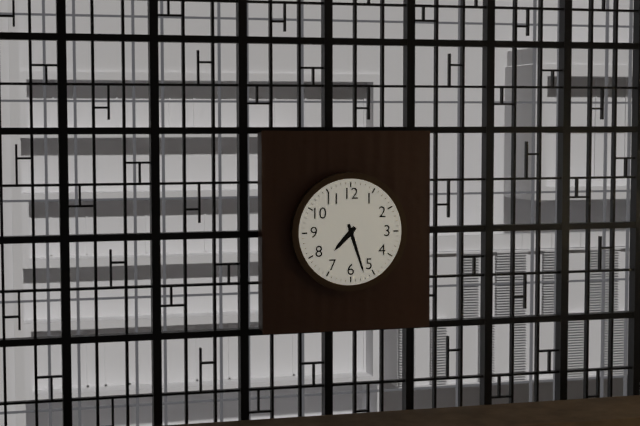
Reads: 7:27
